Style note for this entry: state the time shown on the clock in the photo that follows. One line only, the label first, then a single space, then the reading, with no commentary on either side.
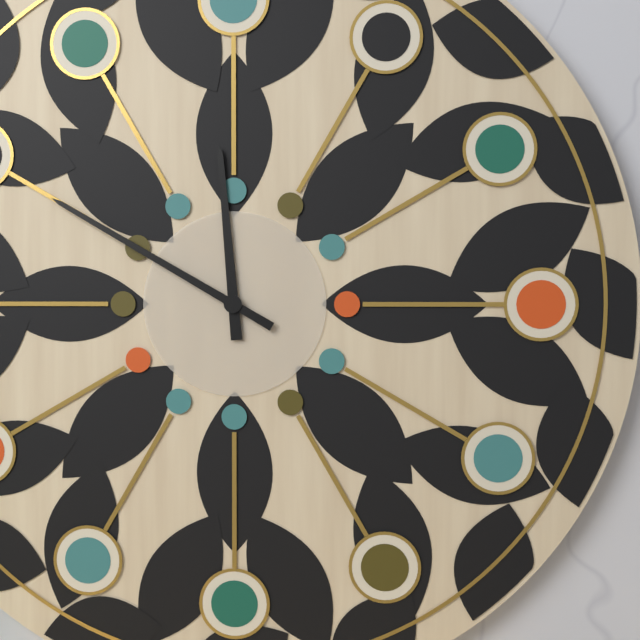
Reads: 11:50
